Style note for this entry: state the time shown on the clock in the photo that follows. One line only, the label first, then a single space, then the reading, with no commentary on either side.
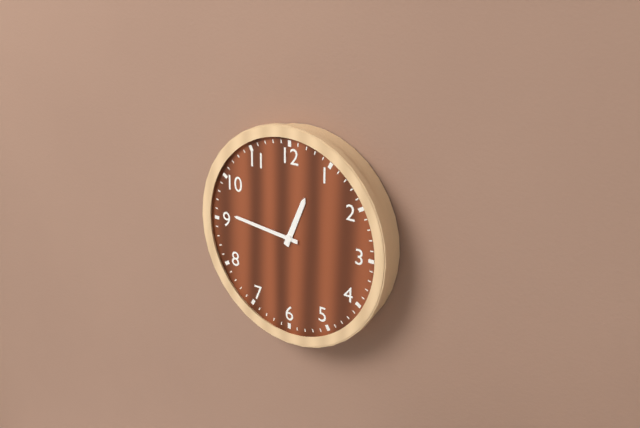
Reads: 12:46
